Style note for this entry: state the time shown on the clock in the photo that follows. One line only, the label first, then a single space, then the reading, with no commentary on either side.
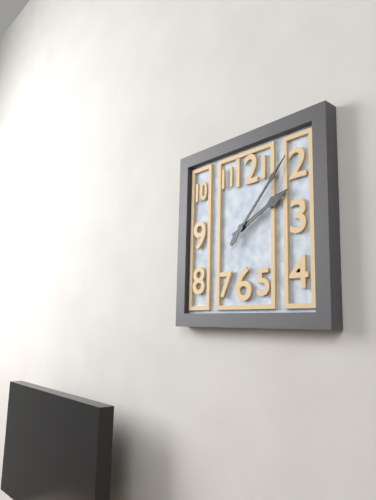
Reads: 2:07
